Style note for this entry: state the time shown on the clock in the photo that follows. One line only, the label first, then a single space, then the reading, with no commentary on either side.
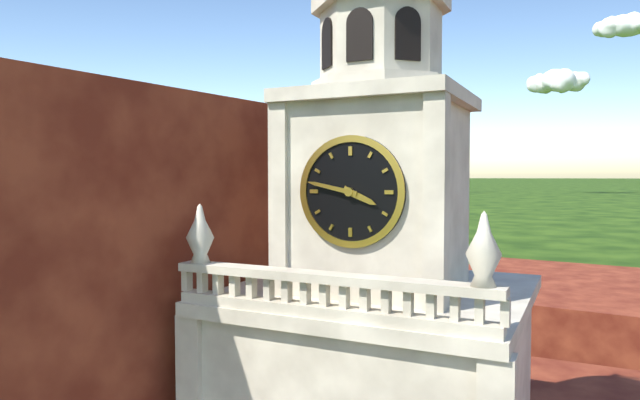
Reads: 3:47
